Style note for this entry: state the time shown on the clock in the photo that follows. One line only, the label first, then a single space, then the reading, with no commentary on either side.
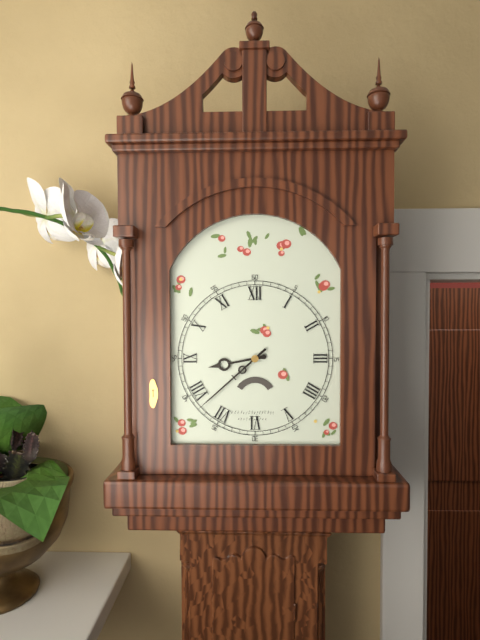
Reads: 8:38
